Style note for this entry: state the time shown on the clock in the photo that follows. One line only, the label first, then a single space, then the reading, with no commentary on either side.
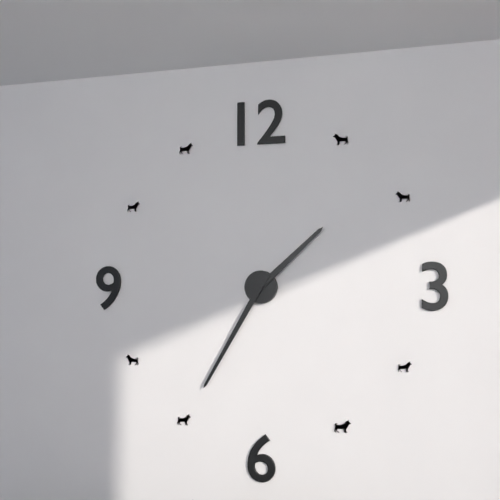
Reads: 1:35
